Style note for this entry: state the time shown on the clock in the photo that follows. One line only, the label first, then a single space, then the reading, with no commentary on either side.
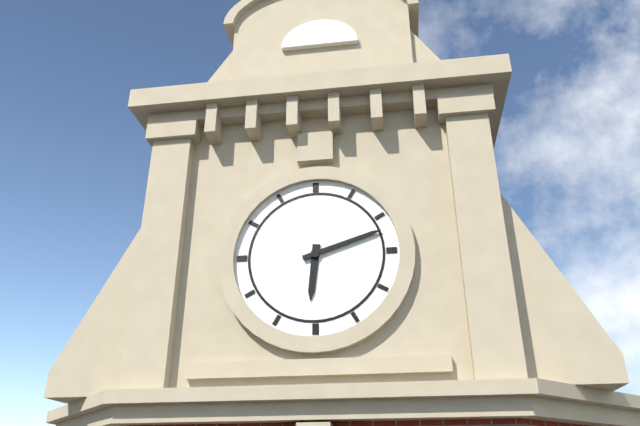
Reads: 6:12
